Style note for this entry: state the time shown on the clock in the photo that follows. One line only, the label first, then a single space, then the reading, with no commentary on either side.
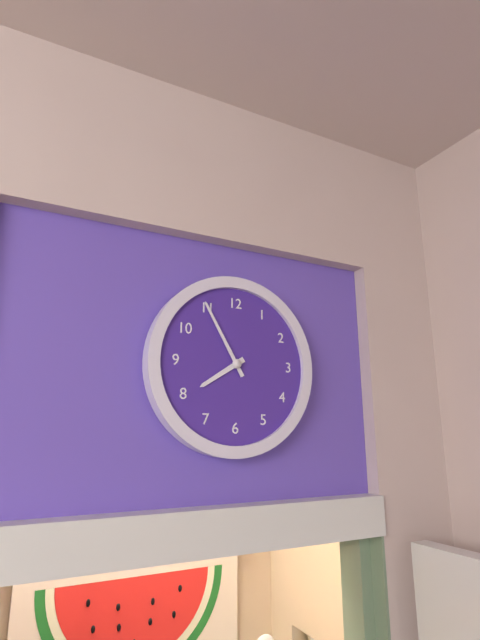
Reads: 7:55
